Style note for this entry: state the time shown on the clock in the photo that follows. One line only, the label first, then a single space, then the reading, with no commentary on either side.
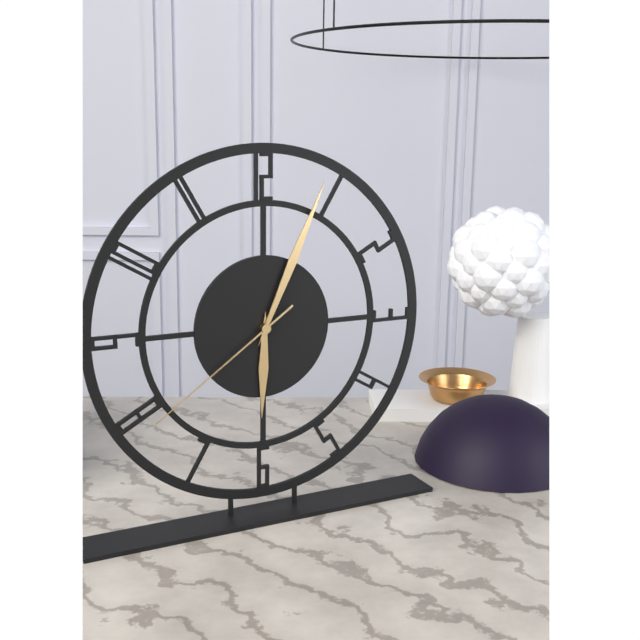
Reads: 6:04:39
